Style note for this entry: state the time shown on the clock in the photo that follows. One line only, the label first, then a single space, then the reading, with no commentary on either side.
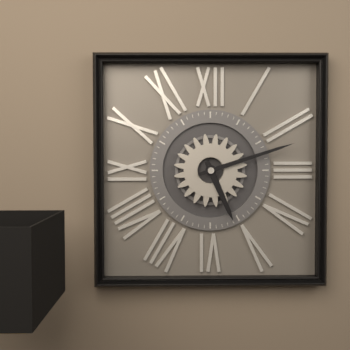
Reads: 5:12
